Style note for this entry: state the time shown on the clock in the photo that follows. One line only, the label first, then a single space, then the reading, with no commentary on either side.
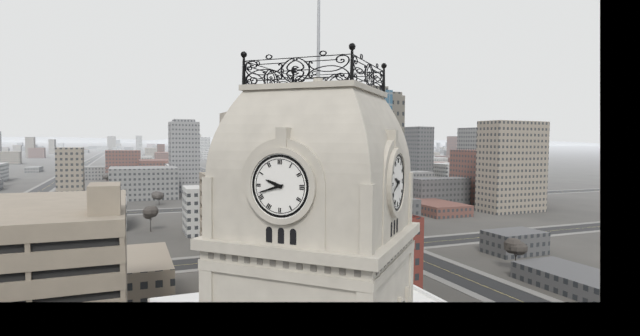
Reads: 9:42
